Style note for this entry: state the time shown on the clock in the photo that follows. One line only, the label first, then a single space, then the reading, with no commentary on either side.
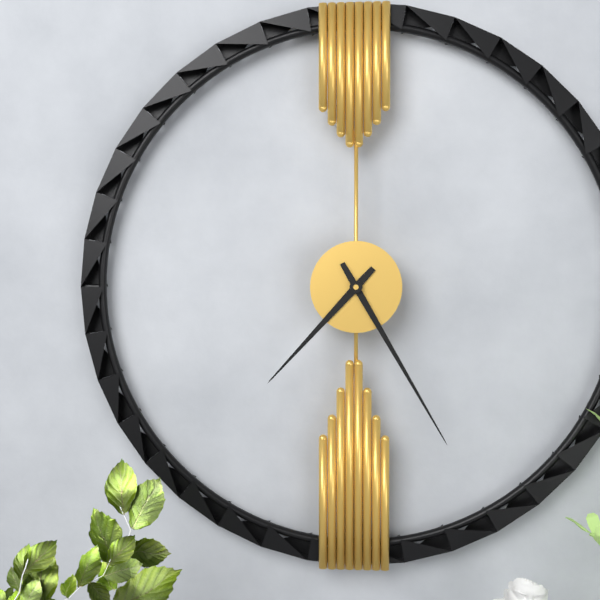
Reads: 7:25
